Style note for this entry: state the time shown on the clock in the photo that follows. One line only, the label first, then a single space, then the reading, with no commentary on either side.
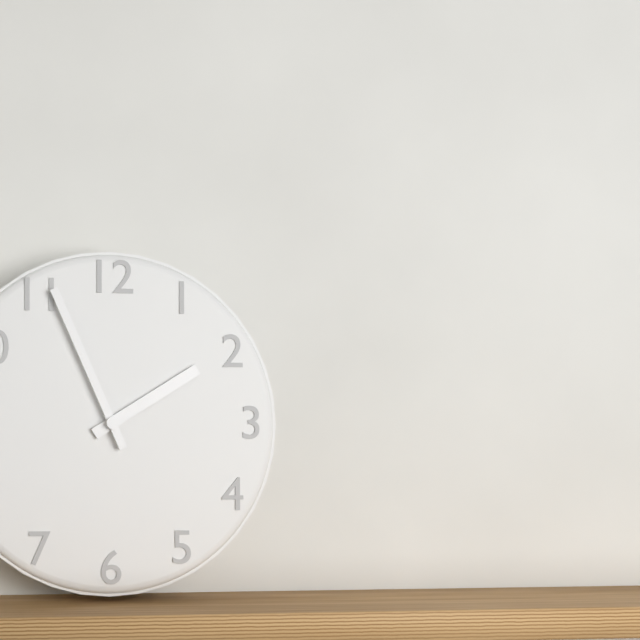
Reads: 1:56
